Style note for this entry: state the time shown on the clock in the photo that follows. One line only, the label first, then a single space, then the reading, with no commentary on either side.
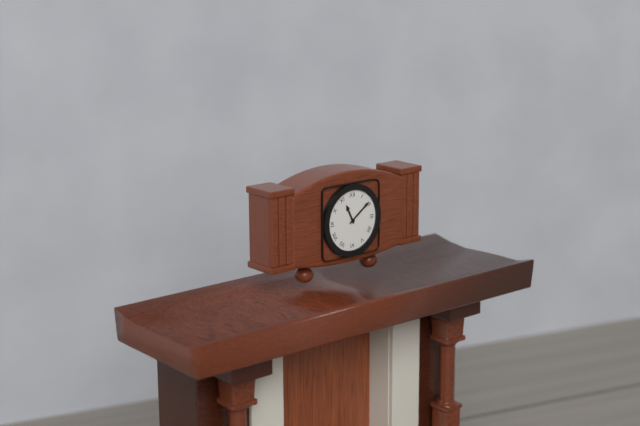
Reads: 11:09
